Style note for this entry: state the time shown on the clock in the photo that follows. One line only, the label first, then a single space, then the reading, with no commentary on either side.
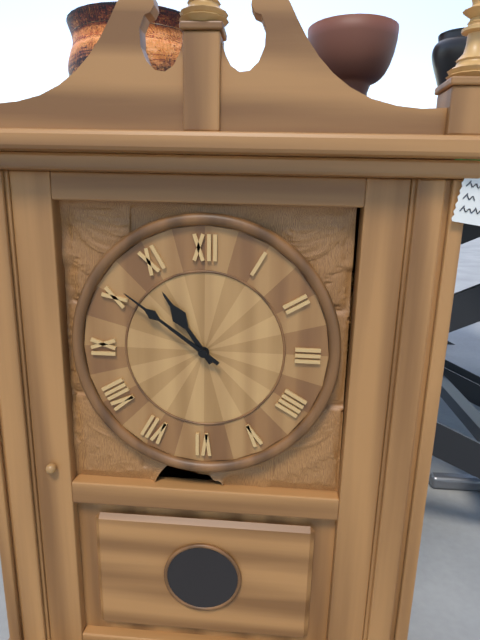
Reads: 10:51
